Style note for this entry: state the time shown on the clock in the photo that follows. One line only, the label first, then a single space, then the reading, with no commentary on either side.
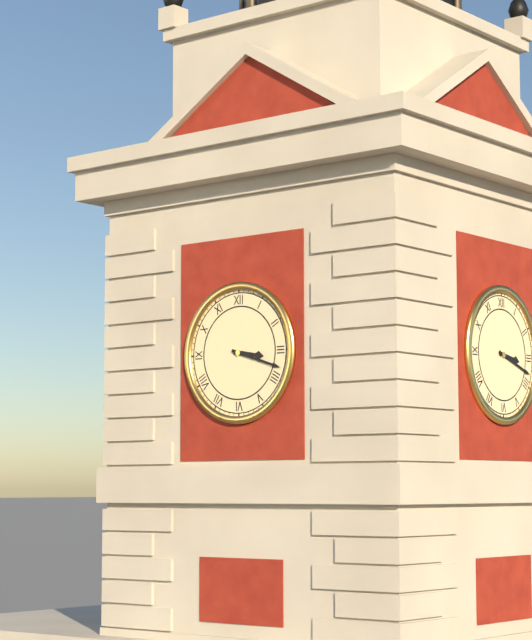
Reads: 3:18
